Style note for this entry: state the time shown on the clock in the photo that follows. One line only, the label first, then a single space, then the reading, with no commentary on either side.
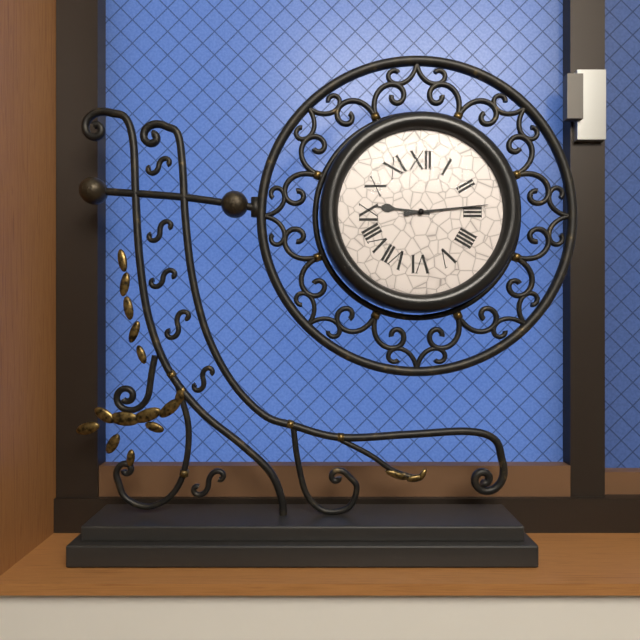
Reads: 9:14
